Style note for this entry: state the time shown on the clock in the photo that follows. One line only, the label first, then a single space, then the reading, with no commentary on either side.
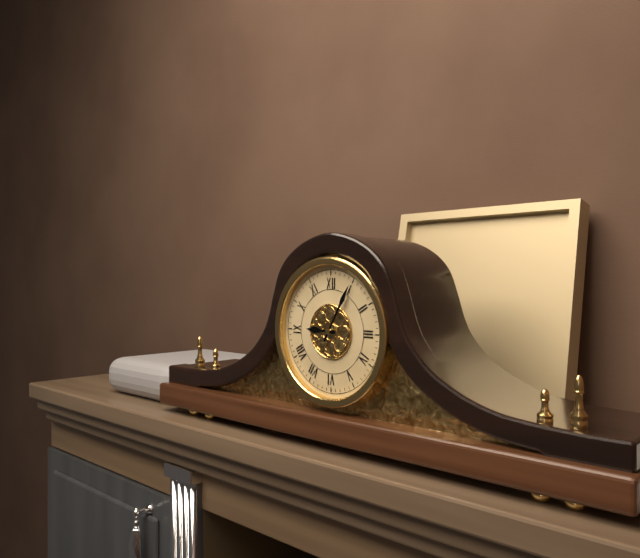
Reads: 9:05
